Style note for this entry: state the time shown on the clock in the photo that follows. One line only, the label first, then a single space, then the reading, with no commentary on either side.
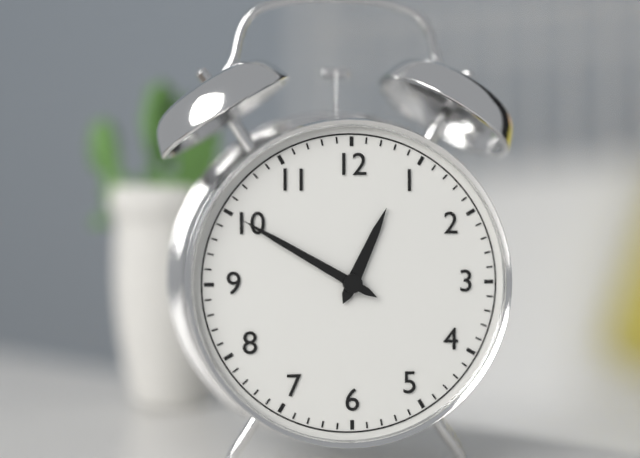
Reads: 12:50
